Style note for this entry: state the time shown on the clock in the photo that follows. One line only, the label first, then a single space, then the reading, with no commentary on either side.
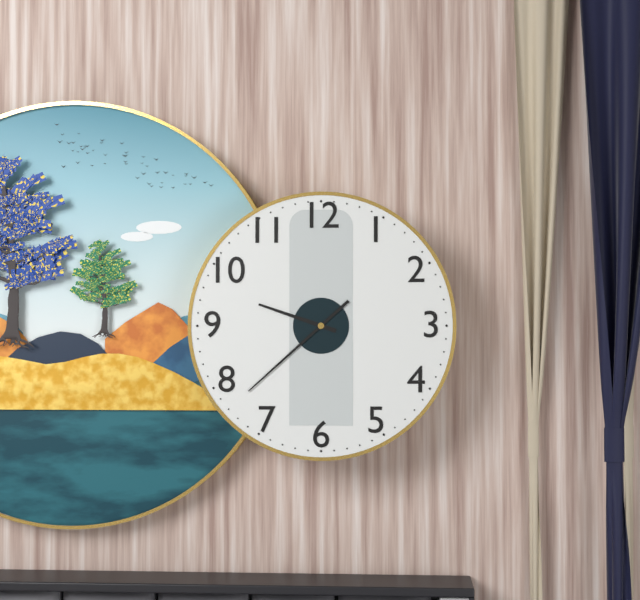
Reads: 9:38
